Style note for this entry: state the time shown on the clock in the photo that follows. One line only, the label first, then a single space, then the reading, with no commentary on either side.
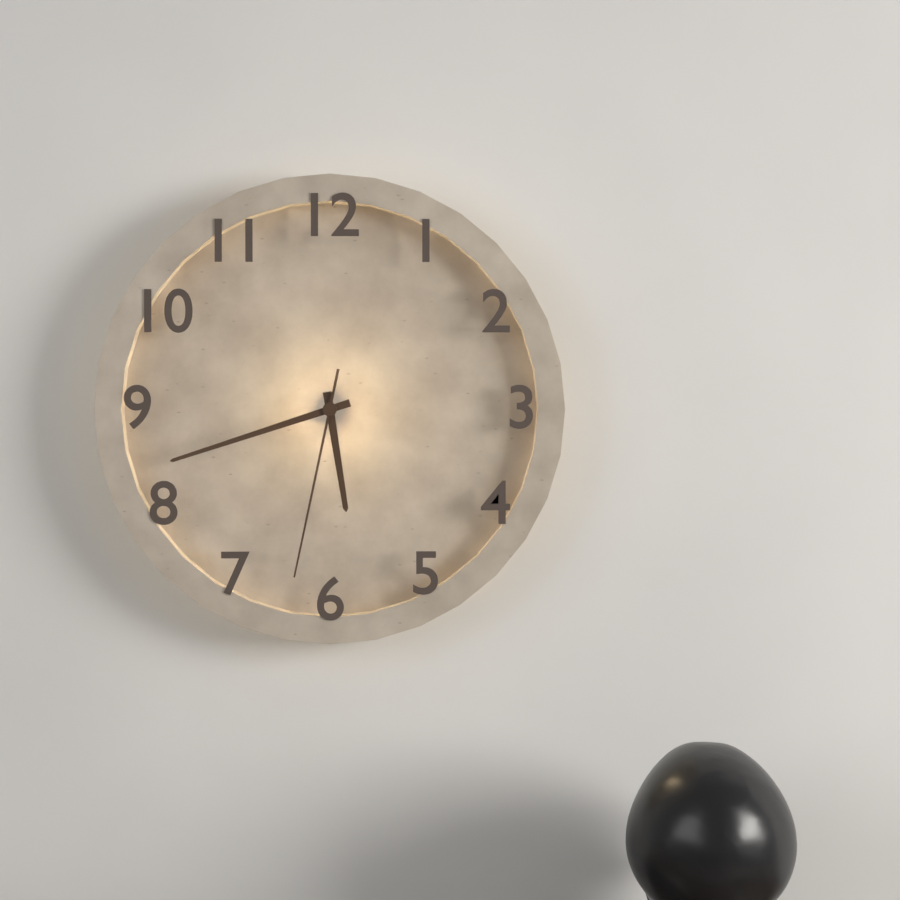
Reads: 5:42:32
